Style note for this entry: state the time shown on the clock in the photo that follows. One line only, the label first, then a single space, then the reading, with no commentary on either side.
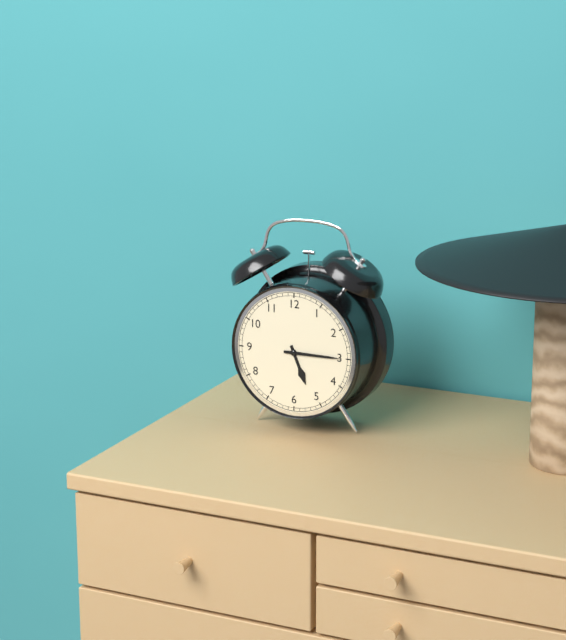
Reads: 5:15
